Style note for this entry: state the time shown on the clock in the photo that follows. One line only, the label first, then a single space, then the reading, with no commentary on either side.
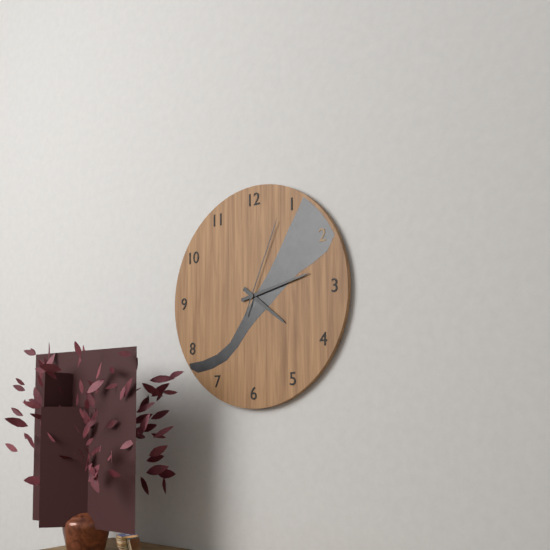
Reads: 4:13:04
